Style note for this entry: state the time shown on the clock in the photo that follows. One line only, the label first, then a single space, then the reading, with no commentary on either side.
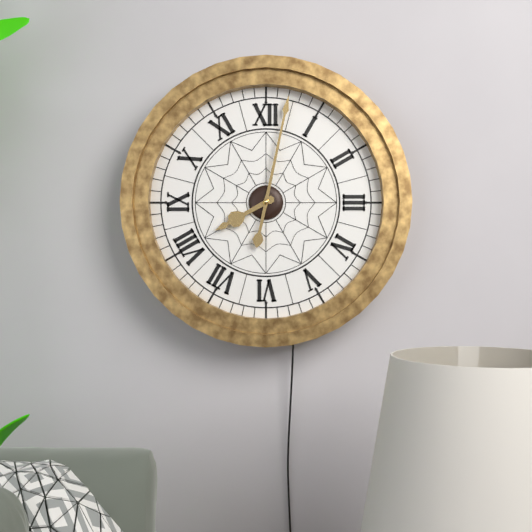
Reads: 8:02
